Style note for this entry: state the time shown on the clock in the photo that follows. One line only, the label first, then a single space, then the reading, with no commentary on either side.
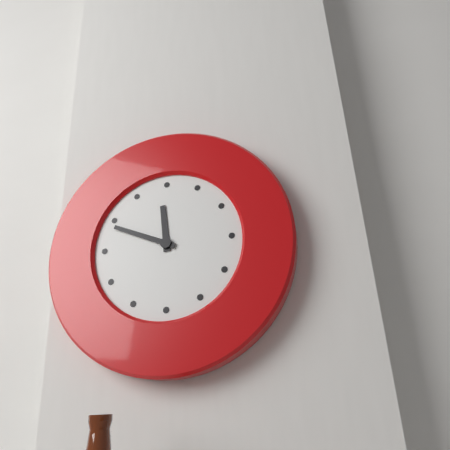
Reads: 11:49
